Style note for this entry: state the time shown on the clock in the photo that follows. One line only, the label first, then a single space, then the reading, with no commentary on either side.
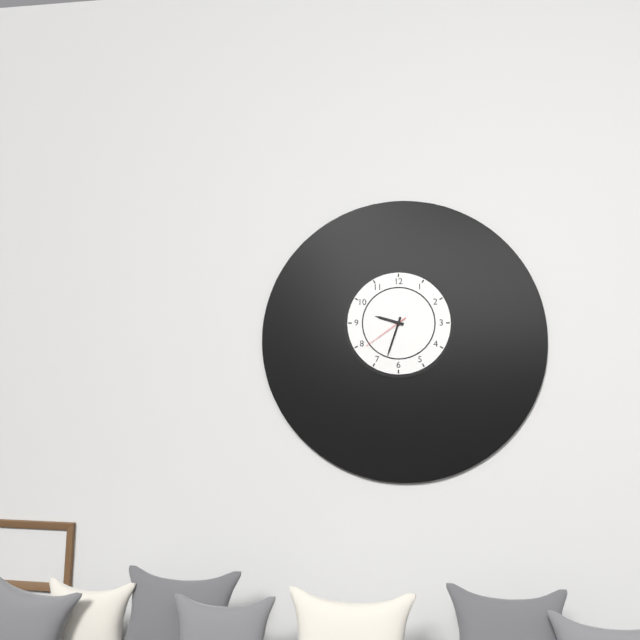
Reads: 9:33
